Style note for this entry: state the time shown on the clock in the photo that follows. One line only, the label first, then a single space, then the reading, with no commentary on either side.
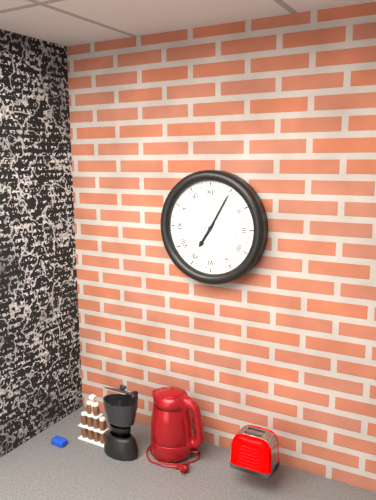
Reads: 7:05
